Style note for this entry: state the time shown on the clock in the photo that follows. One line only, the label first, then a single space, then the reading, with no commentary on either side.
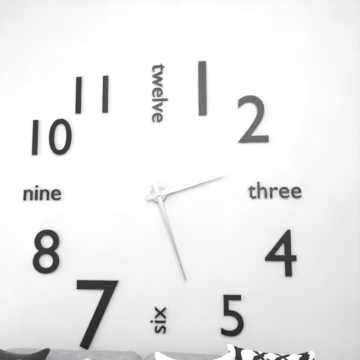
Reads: 2:27
